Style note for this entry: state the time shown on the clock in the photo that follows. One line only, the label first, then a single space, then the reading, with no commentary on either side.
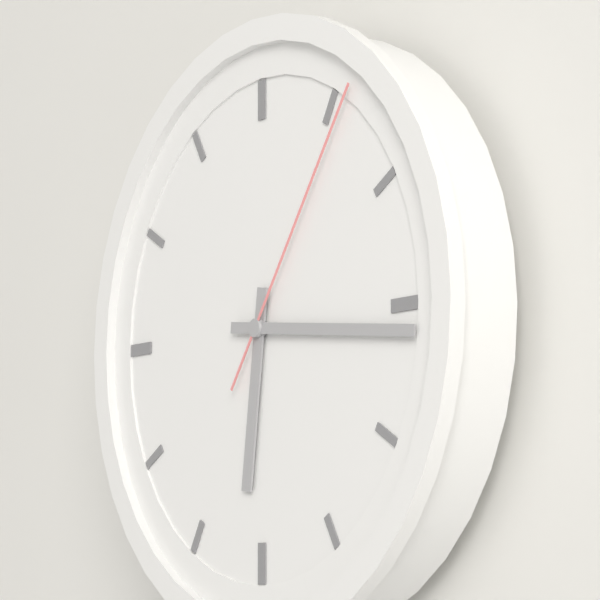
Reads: 6:16:06
